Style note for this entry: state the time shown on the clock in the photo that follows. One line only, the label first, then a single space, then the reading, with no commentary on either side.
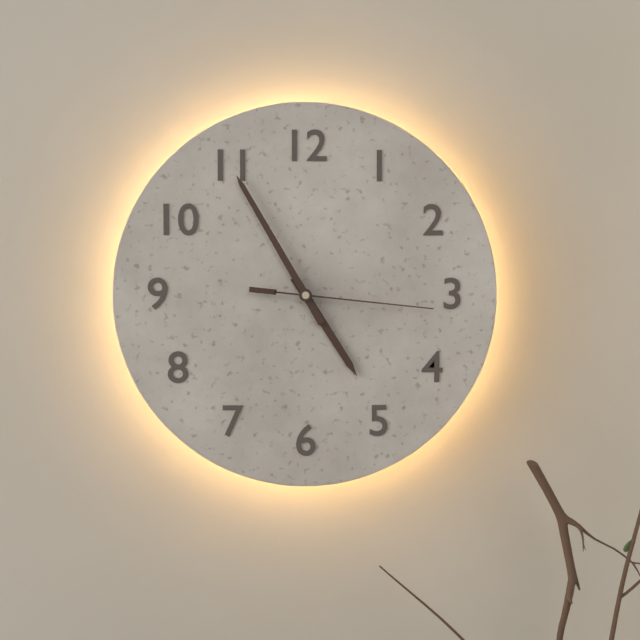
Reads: 4:55:16
